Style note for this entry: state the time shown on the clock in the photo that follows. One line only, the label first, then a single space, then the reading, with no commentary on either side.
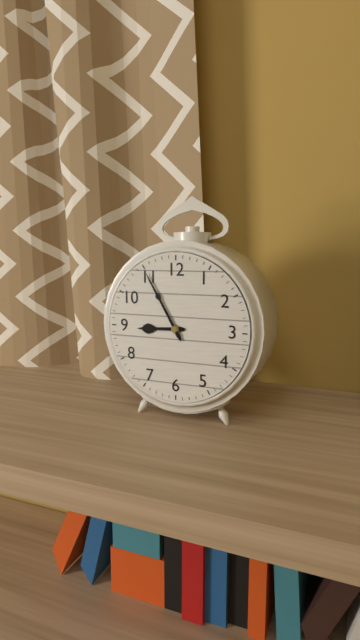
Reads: 8:55
